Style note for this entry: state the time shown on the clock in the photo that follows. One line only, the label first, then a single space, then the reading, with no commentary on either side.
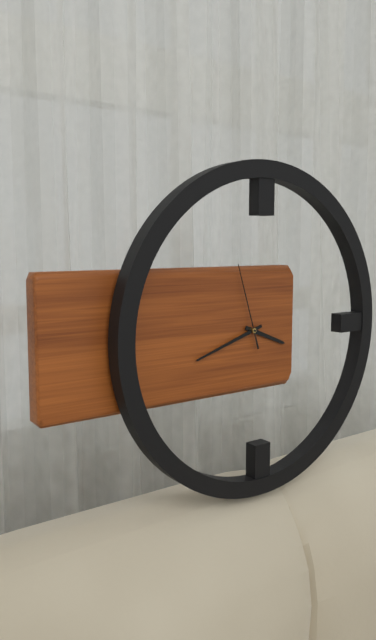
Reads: 3:42:57
